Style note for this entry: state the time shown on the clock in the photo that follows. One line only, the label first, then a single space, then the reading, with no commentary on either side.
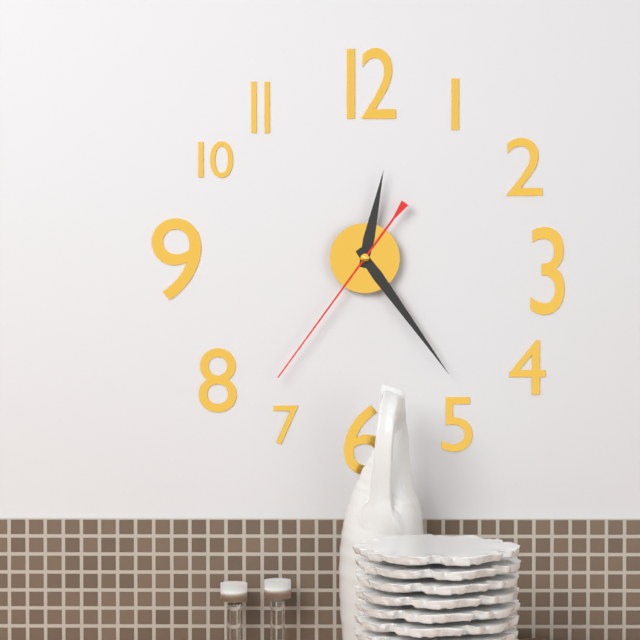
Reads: 12:24:36
